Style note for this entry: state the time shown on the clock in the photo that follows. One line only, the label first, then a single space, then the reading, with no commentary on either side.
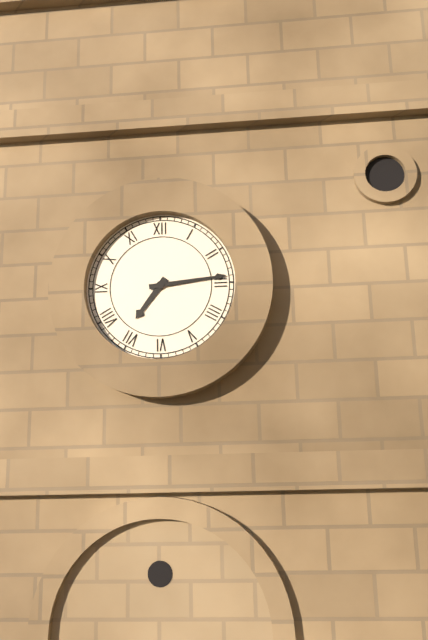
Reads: 7:14
